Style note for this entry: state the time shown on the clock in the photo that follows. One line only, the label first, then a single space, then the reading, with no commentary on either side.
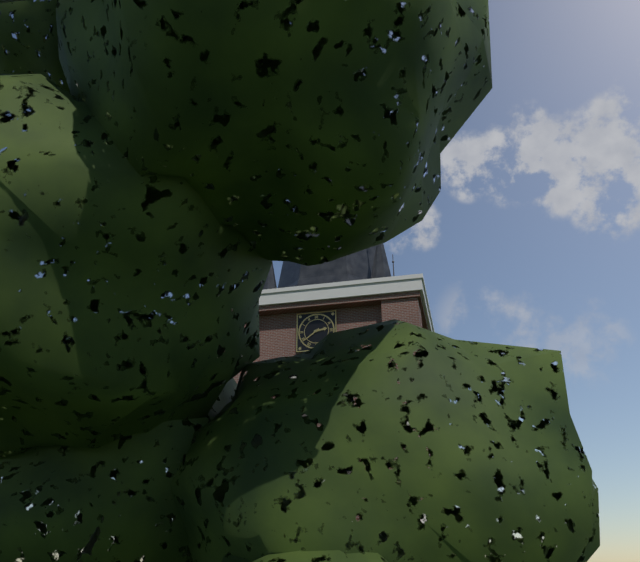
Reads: 2:39
